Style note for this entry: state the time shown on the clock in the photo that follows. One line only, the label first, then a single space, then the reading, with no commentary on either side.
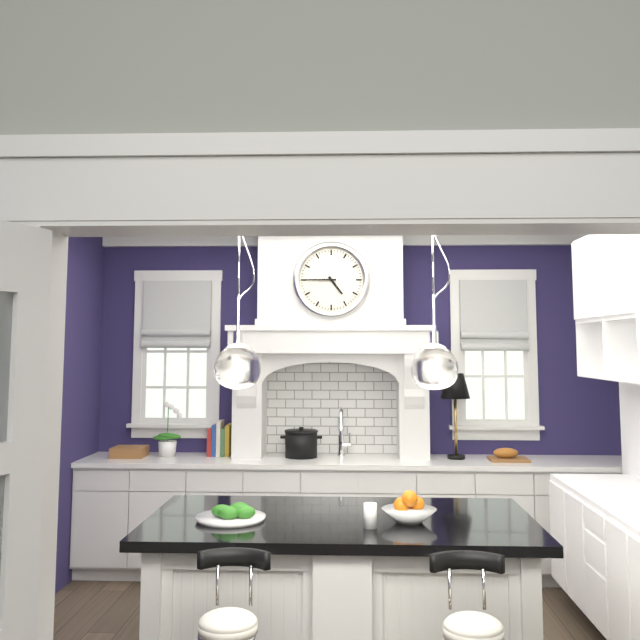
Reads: 4:45
